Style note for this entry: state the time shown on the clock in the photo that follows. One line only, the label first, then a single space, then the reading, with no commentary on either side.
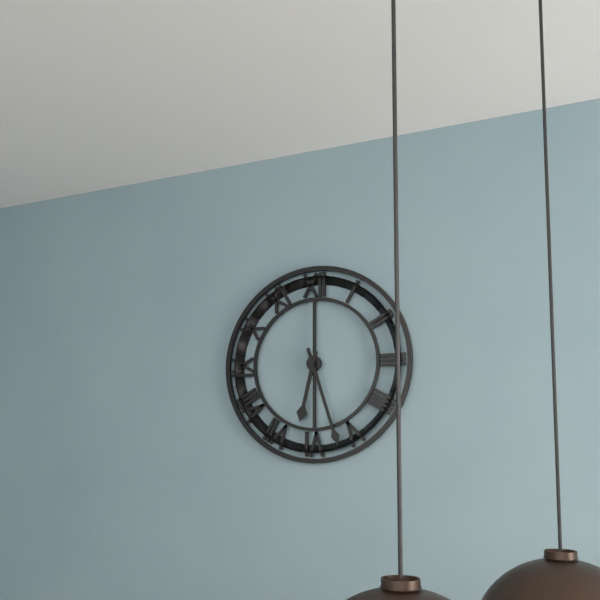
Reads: 6:27
